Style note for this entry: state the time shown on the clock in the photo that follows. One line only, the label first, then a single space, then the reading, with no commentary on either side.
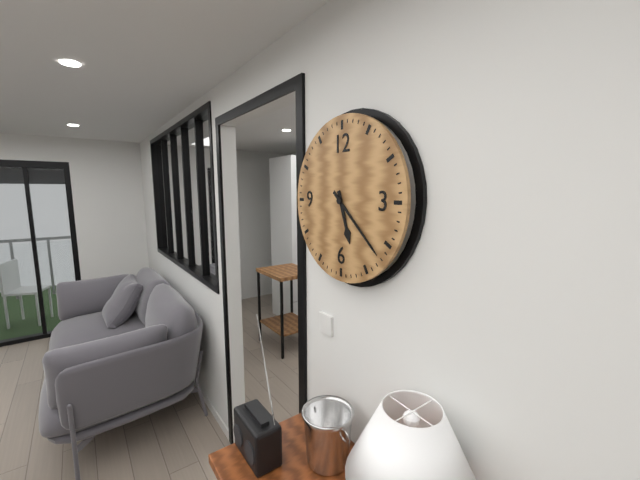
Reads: 5:22
